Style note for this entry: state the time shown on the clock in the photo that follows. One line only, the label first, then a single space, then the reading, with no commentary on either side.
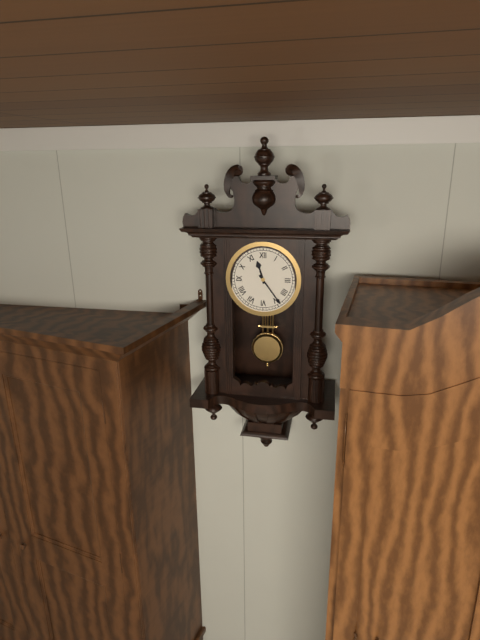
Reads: 11:24
